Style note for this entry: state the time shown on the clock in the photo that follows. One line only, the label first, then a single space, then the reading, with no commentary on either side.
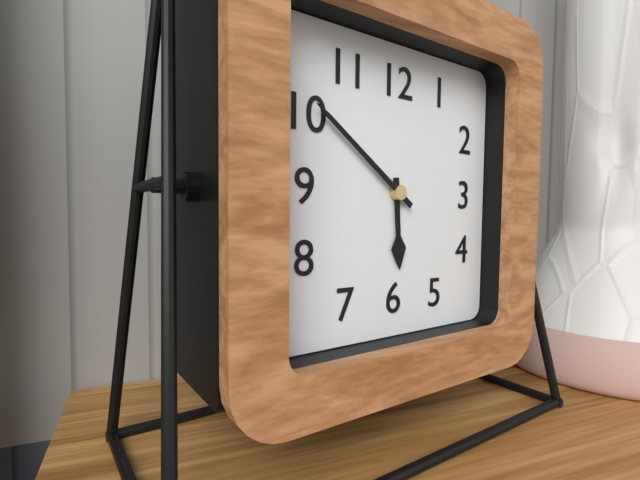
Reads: 5:51
